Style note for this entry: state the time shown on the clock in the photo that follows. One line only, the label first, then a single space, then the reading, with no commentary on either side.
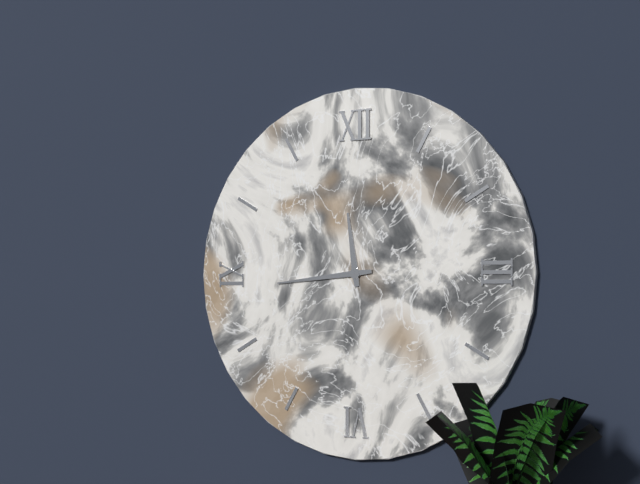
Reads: 11:44
